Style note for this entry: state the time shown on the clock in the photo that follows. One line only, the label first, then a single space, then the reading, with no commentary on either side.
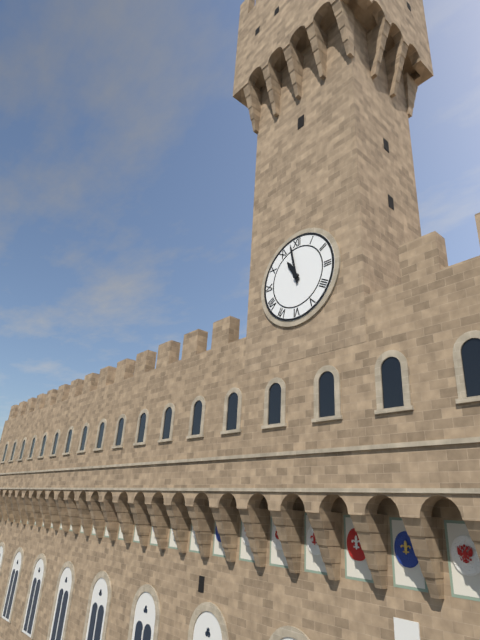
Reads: 10:58
